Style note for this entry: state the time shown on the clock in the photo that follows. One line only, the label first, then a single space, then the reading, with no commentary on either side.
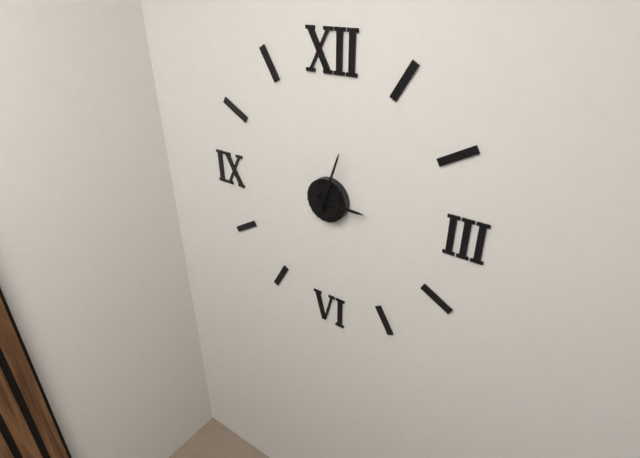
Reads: 3:03
